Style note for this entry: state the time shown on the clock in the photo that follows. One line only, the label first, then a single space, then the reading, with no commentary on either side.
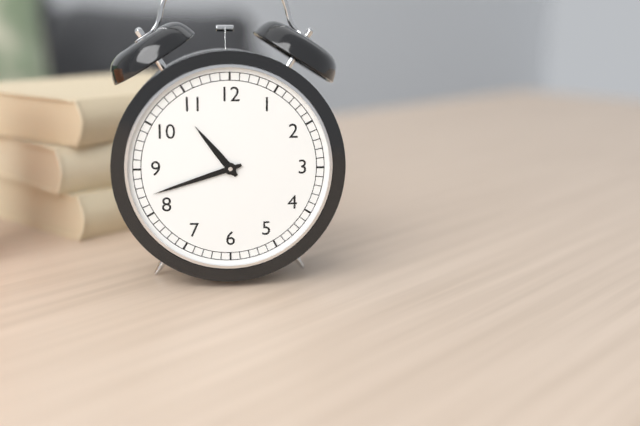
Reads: 10:42
